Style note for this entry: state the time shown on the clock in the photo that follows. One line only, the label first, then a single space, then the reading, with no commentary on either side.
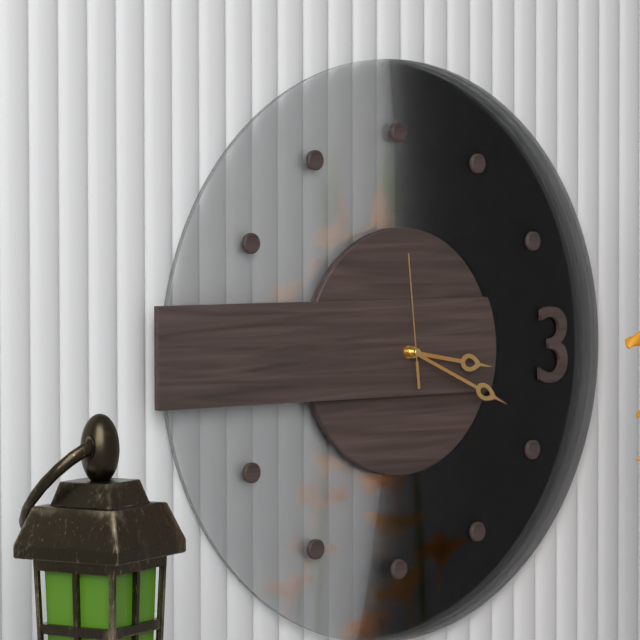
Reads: 3:19:59
